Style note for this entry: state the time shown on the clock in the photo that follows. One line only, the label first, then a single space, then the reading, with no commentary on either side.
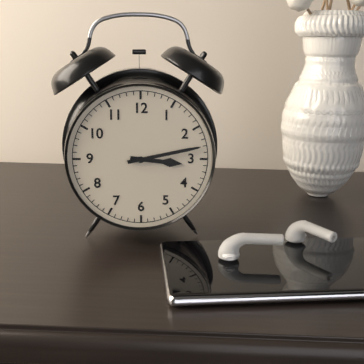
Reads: 3:13
